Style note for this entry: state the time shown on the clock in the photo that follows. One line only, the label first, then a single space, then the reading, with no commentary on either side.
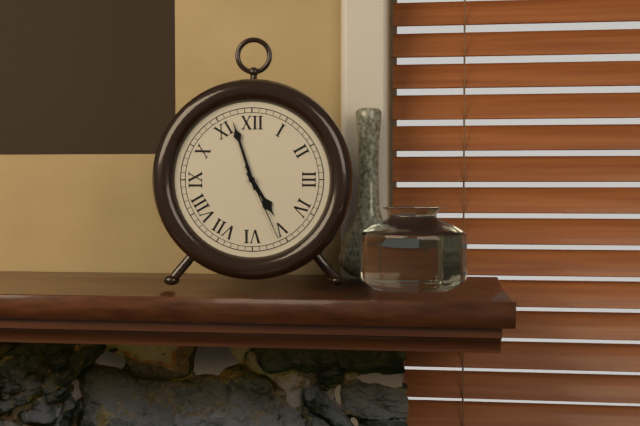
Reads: 4:57:26
